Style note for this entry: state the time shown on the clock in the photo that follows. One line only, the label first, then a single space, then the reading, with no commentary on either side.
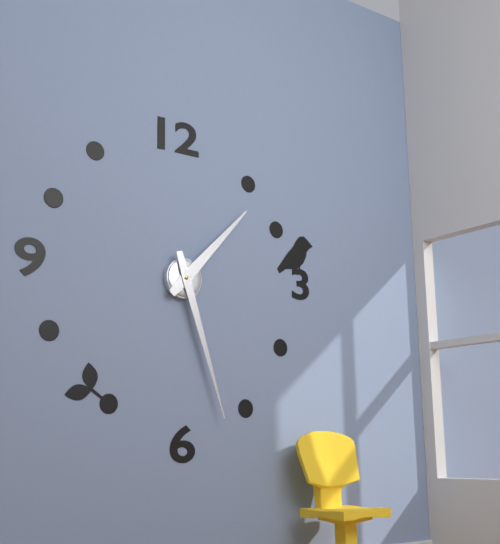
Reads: 1:27
